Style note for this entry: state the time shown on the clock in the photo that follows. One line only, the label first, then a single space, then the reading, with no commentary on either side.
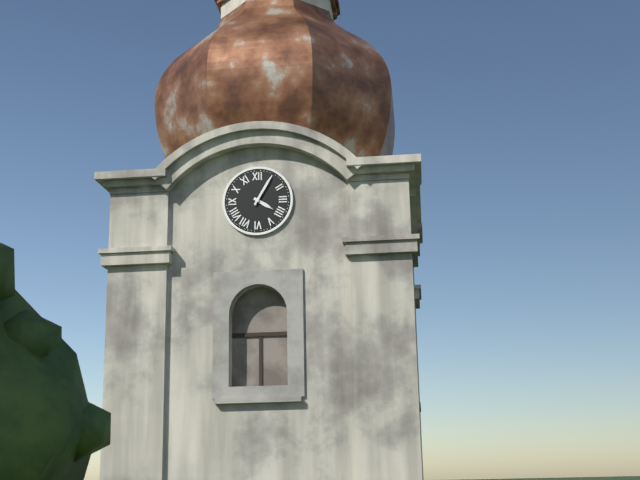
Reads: 4:05
